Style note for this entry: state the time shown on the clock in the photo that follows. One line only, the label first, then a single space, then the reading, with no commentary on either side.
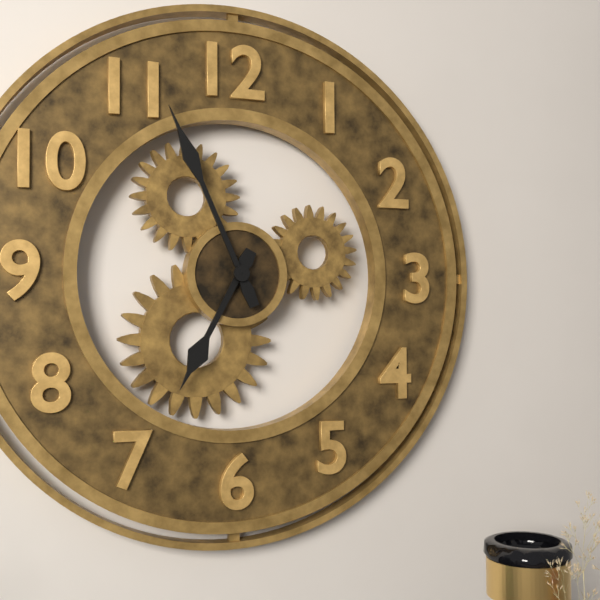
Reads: 6:56
